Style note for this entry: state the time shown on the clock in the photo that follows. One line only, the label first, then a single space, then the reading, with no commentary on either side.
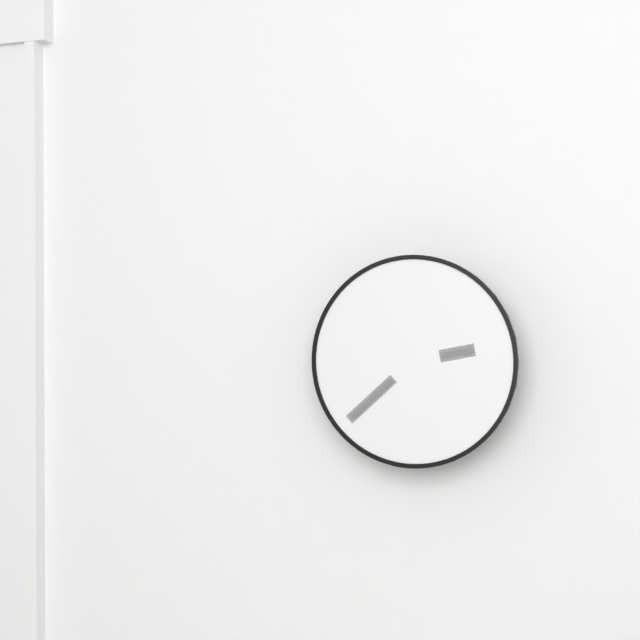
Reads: 2:38
